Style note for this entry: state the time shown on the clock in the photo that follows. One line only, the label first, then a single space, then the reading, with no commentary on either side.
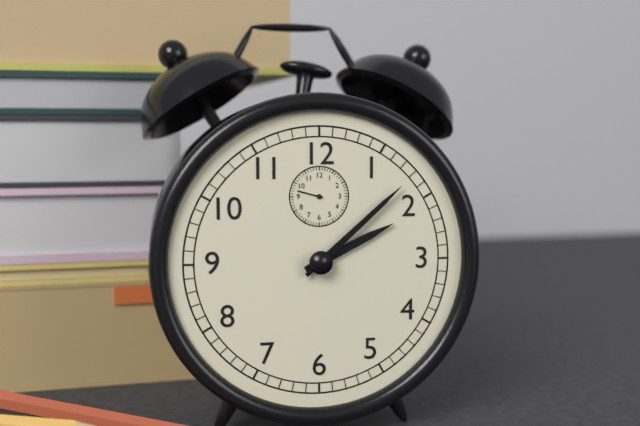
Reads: 2:08
